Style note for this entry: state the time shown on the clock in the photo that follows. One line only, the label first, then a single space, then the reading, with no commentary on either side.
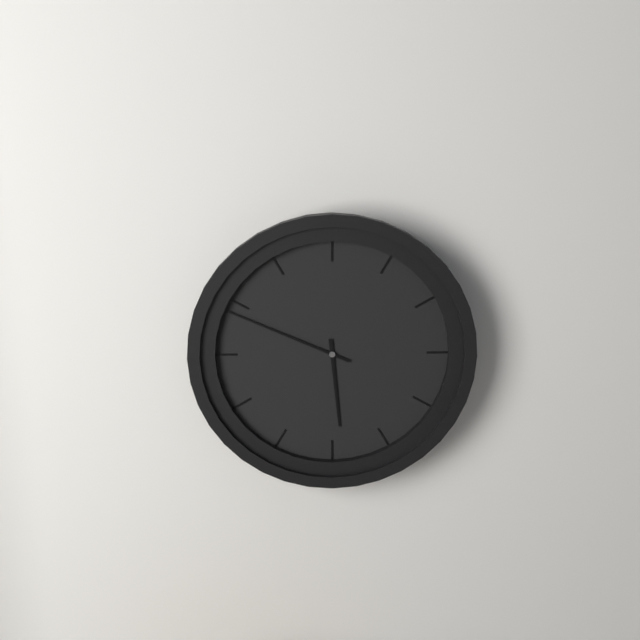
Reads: 5:49
